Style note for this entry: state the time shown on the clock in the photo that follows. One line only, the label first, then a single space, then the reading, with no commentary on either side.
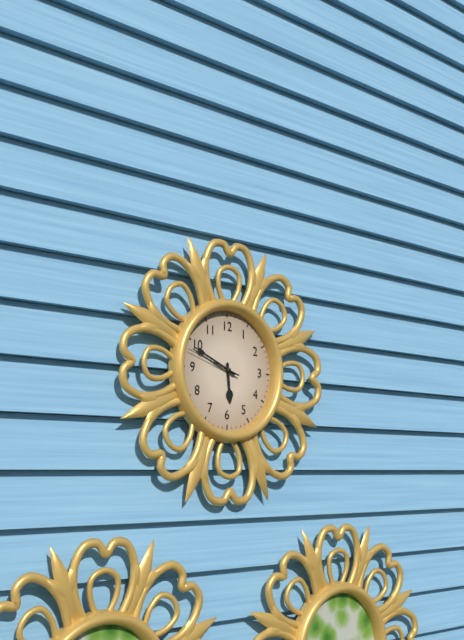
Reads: 5:49:48
